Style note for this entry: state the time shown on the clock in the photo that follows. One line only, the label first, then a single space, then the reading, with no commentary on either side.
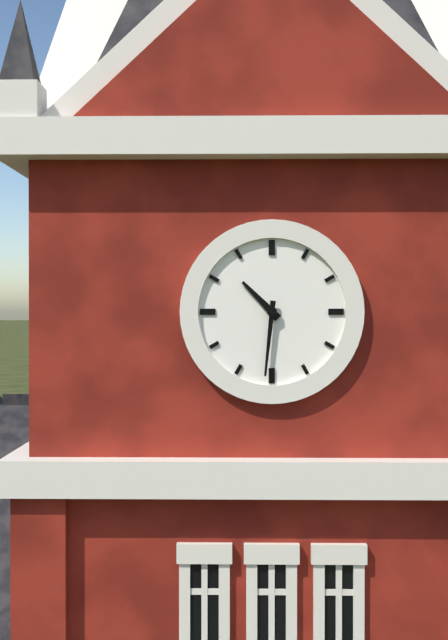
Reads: 10:31
